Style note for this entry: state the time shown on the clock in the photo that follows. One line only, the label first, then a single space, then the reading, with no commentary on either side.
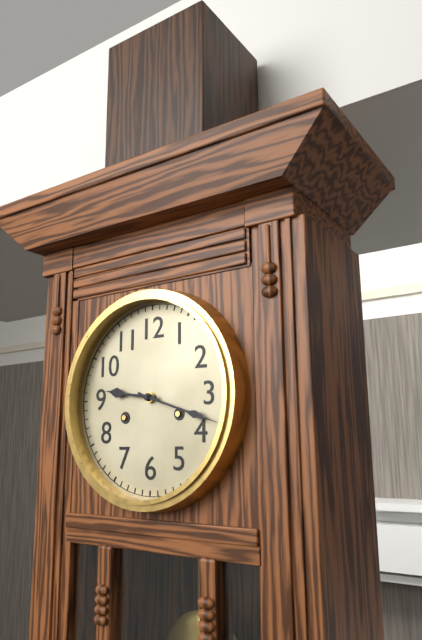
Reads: 9:18
